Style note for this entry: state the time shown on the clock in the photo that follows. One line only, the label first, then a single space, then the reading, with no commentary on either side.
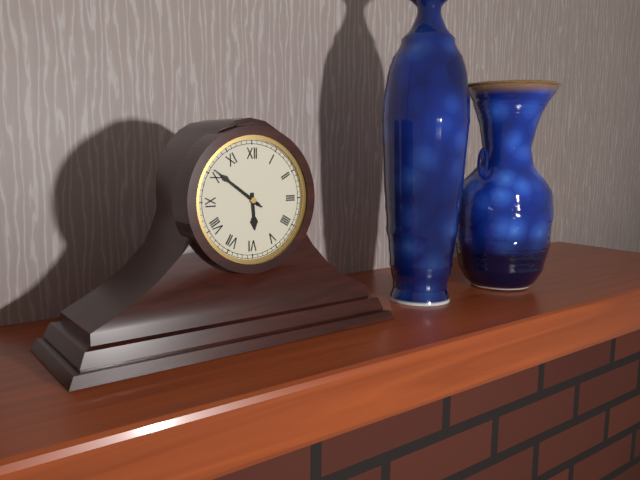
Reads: 5:51:51
